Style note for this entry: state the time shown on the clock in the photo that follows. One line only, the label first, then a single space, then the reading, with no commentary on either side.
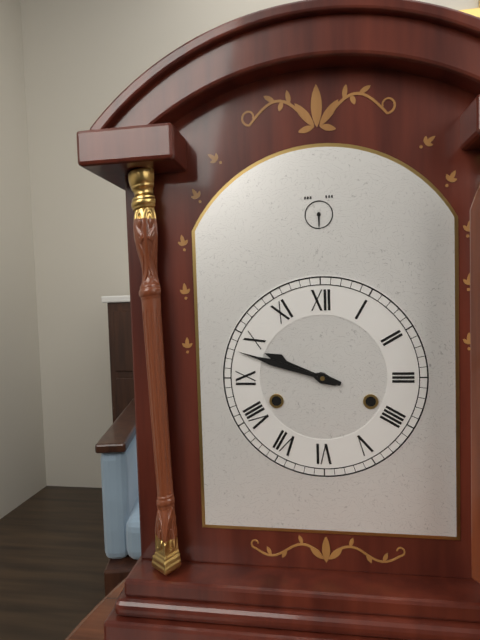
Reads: 9:48
